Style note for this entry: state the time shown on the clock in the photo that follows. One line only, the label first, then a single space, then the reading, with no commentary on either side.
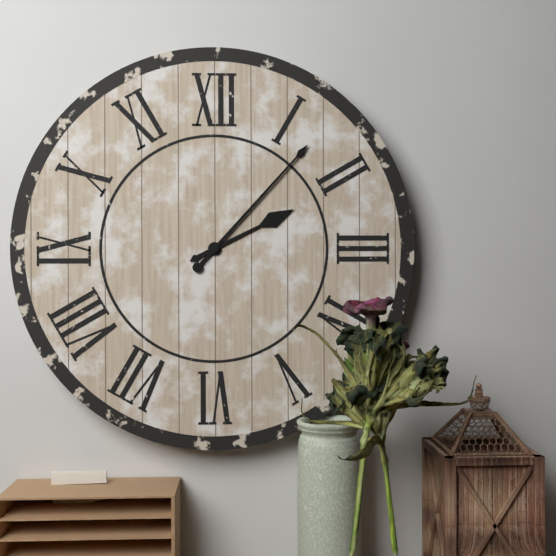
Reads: 2:07
